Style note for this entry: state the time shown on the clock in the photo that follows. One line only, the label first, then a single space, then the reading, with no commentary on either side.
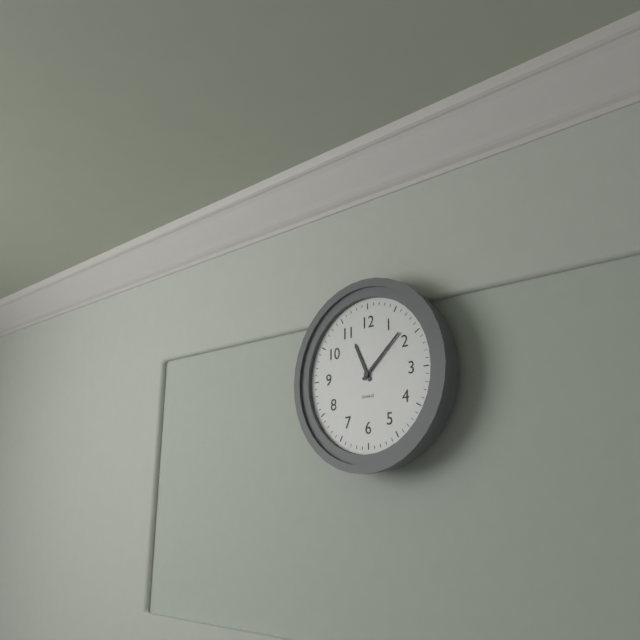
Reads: 11:08
